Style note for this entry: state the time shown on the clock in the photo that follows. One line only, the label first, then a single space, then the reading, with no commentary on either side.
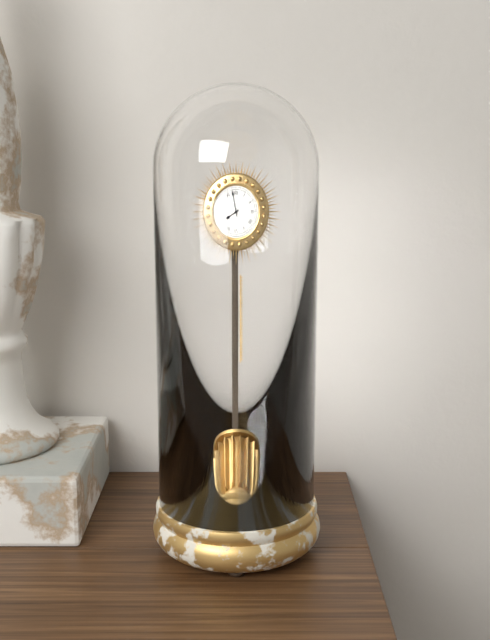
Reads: 7:58
